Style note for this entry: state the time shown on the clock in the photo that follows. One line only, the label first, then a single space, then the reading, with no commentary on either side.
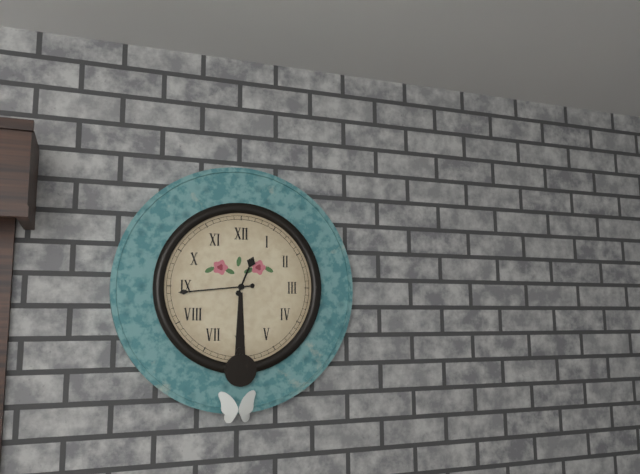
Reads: 12:44
